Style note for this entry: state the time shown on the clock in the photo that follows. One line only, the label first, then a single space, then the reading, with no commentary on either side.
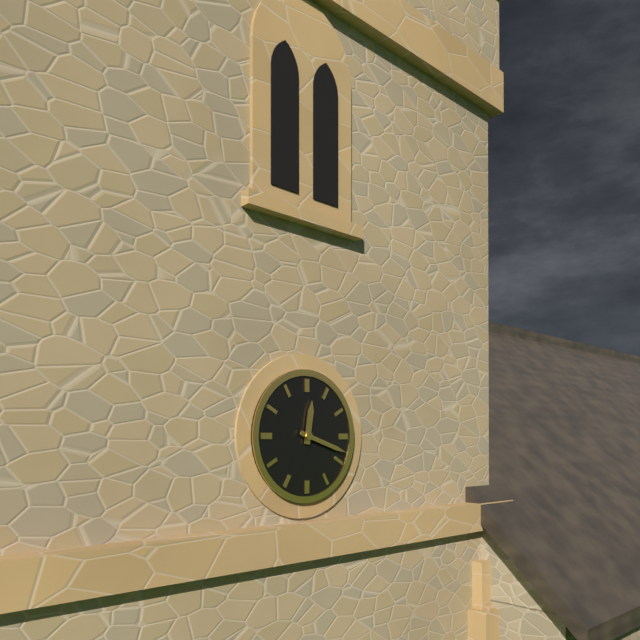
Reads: 12:18
